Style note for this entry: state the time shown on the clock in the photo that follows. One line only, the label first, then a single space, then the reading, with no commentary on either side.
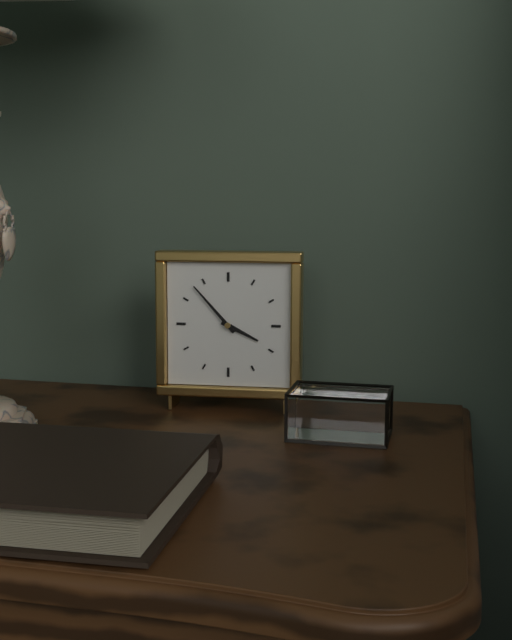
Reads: 3:53
